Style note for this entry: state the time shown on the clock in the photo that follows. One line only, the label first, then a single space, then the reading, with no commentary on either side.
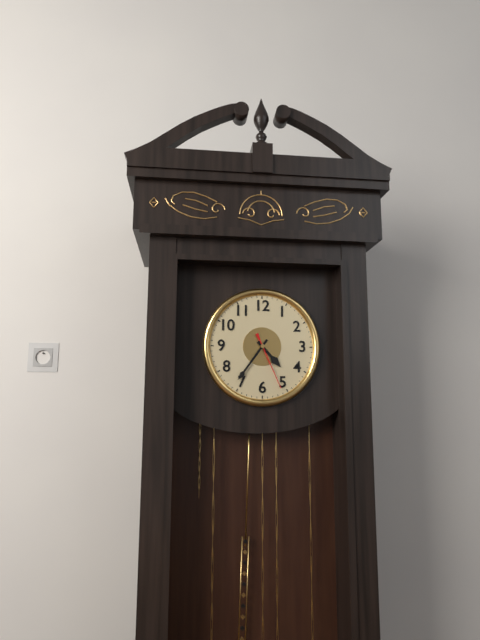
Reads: 4:36:26
